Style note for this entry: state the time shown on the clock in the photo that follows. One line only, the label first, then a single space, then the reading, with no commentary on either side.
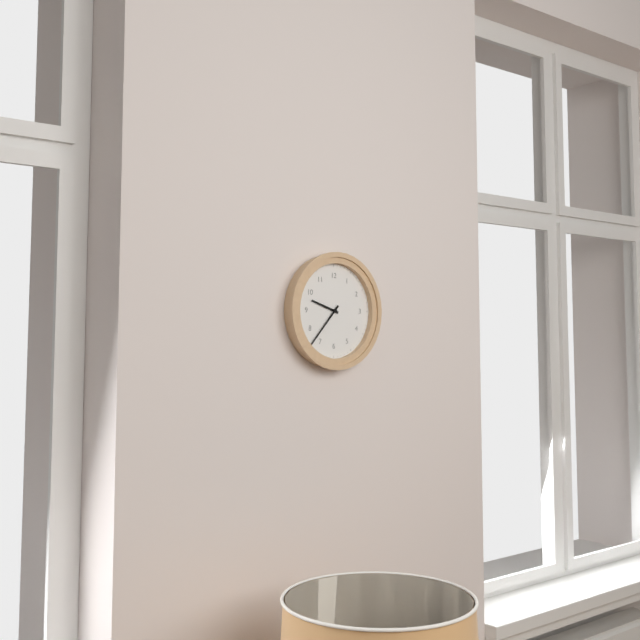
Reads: 9:37
